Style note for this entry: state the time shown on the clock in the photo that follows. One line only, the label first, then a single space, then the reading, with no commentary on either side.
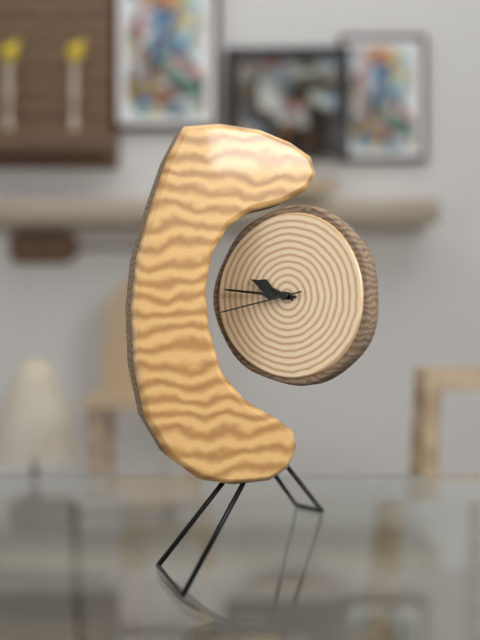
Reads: 9:46:43
